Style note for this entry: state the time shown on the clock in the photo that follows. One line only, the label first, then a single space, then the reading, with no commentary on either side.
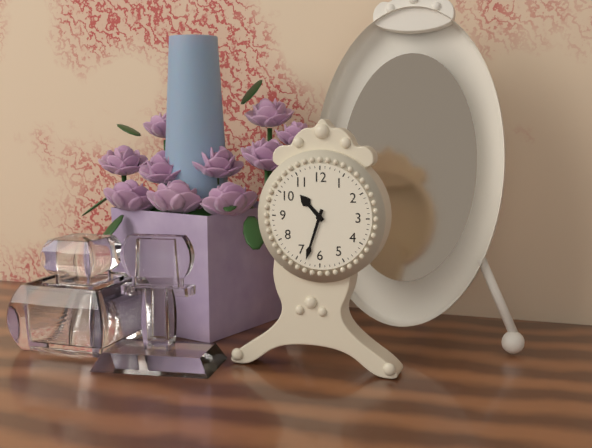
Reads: 10:33
